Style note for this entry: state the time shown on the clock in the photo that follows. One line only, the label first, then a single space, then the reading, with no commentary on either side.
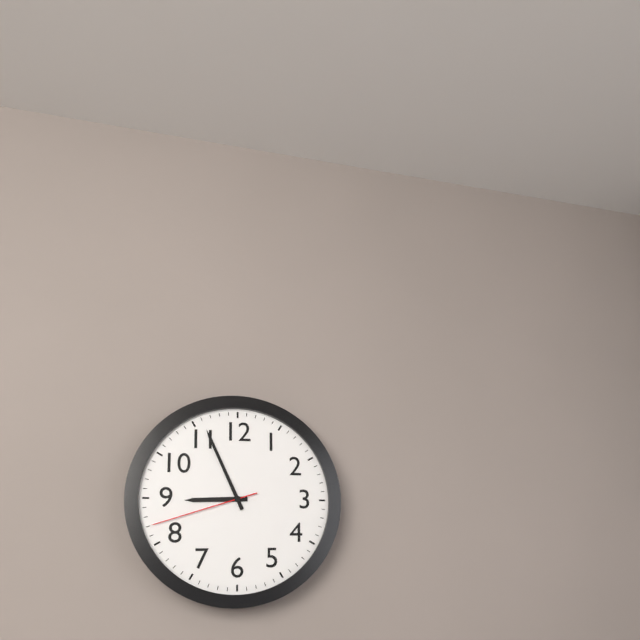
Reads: 8:56:42
